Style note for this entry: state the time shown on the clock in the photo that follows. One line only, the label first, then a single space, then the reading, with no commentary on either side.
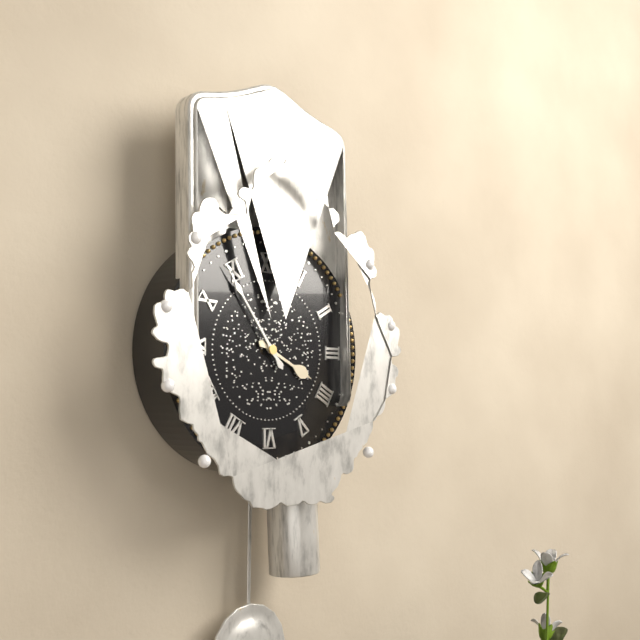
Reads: 3:54
